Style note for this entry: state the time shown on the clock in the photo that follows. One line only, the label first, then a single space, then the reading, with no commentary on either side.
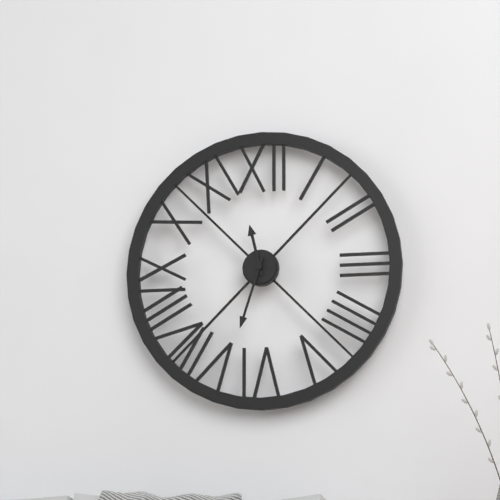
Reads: 11:33
